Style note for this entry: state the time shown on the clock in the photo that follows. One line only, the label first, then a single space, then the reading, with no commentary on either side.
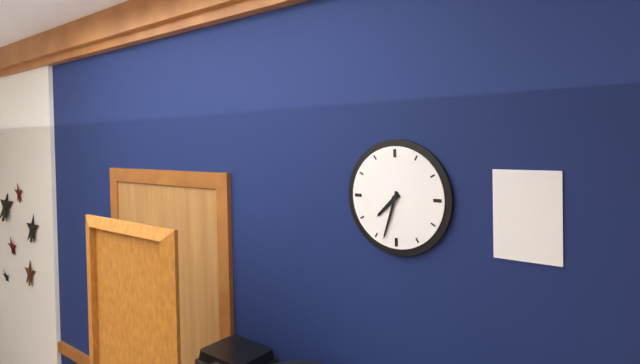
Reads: 7:33
